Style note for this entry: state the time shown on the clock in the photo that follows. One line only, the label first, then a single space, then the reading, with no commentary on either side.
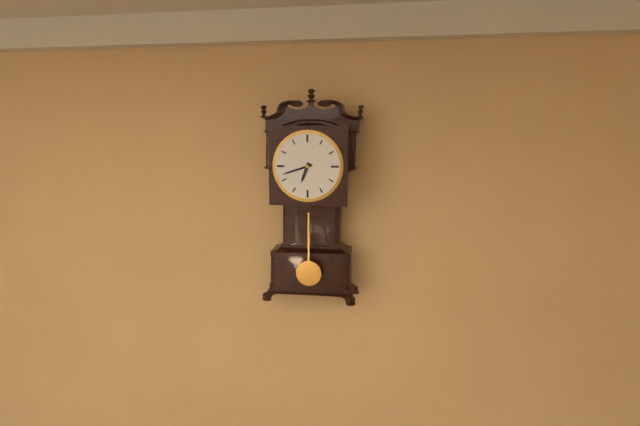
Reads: 6:42
